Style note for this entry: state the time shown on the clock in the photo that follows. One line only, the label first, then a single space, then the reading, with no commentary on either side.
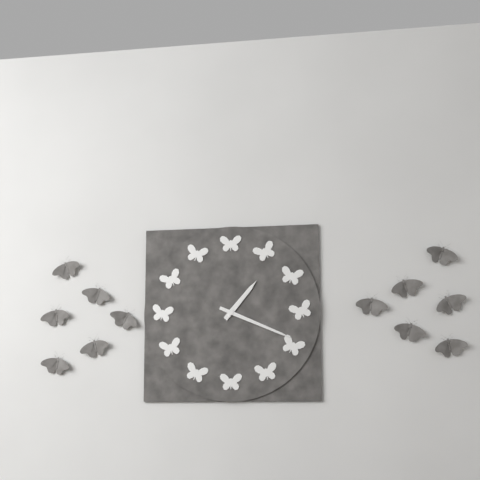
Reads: 1:19
